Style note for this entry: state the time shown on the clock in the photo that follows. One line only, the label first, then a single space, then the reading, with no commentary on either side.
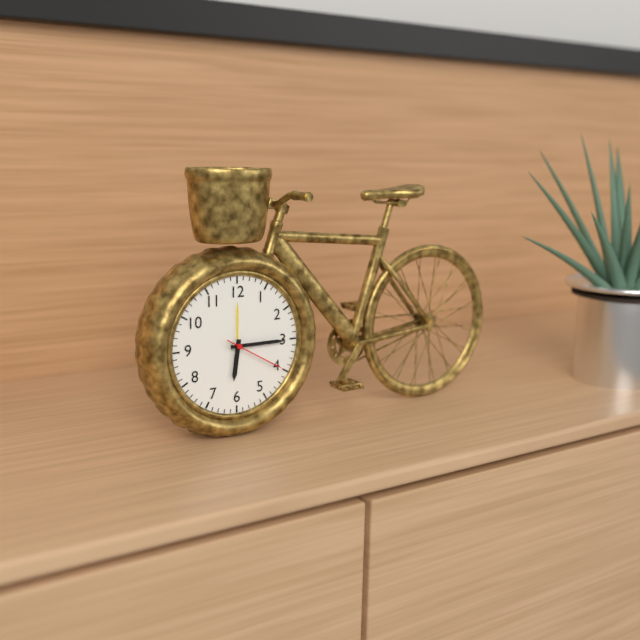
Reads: 6:15:20
